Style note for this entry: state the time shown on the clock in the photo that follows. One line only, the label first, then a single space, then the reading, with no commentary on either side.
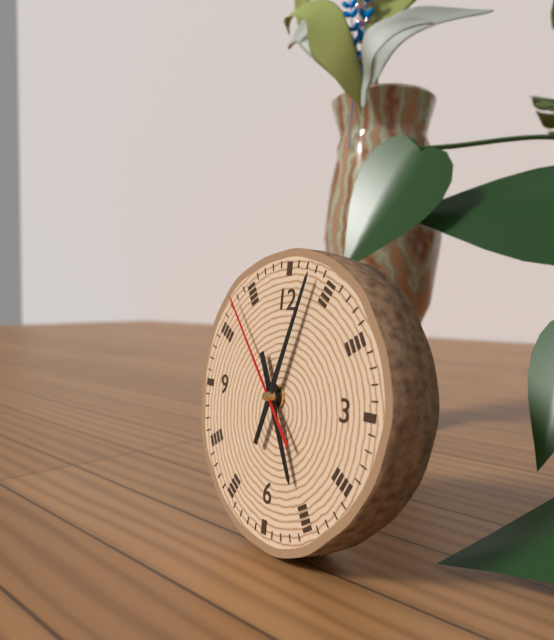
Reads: 5:03:53
